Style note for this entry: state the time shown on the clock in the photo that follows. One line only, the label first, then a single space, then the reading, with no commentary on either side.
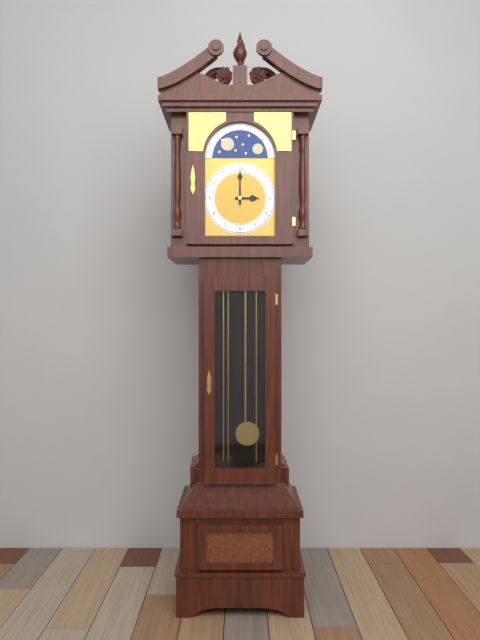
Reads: 3:00
